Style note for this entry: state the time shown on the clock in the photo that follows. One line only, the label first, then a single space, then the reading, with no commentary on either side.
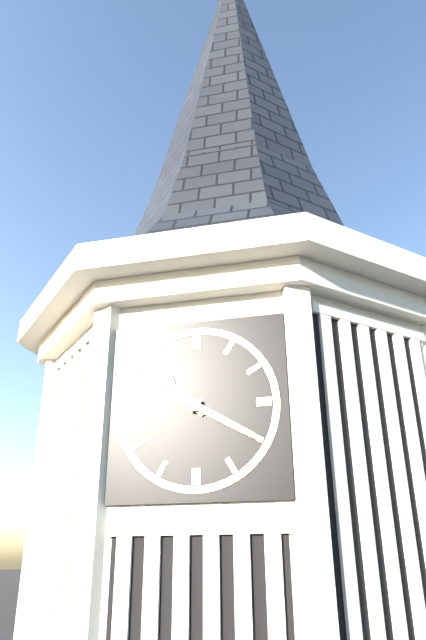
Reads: 10:20
